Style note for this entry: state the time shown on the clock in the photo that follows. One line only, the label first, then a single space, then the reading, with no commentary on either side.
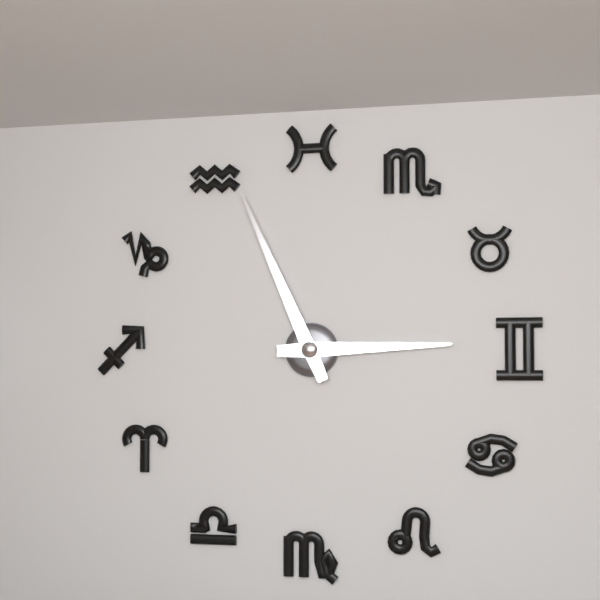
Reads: 2:56
